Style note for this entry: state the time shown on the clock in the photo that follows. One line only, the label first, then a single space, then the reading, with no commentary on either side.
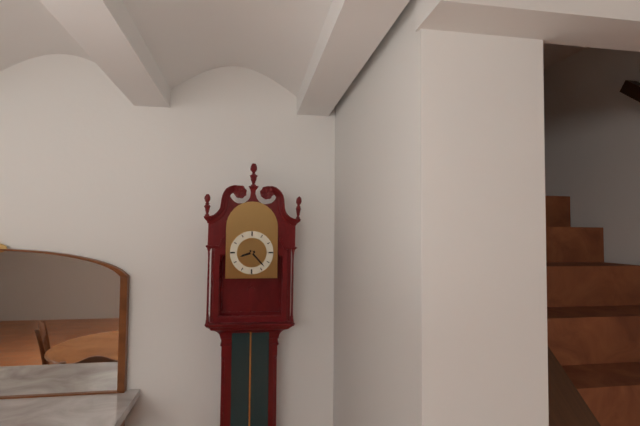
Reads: 8:23
